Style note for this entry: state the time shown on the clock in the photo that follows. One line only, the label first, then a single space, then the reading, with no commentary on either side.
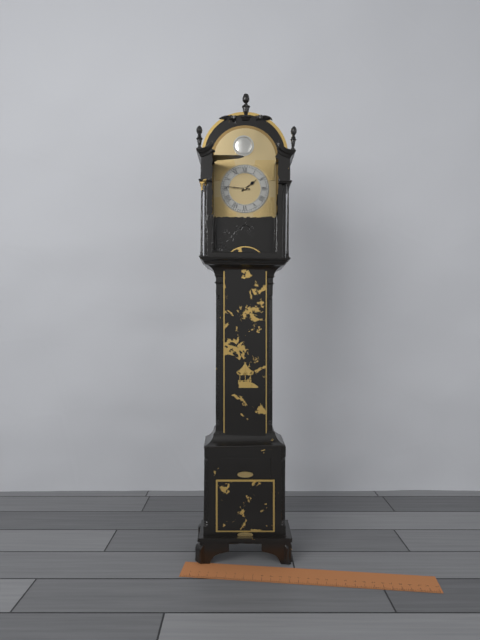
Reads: 1:46
